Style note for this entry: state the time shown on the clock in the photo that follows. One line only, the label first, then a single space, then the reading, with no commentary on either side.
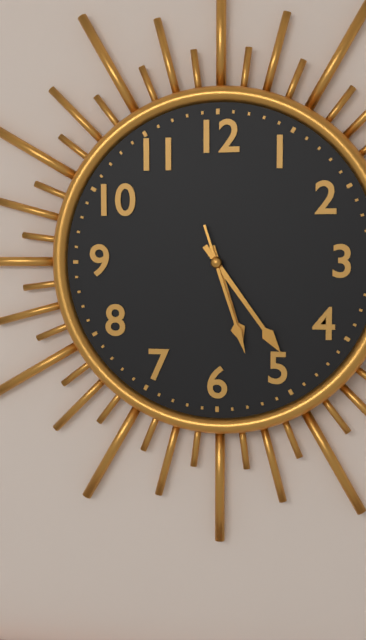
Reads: 5:24:27
